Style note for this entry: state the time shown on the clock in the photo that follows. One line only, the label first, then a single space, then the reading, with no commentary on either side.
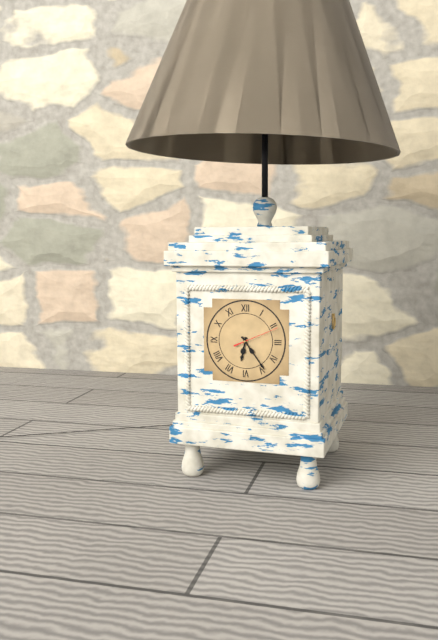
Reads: 6:24
